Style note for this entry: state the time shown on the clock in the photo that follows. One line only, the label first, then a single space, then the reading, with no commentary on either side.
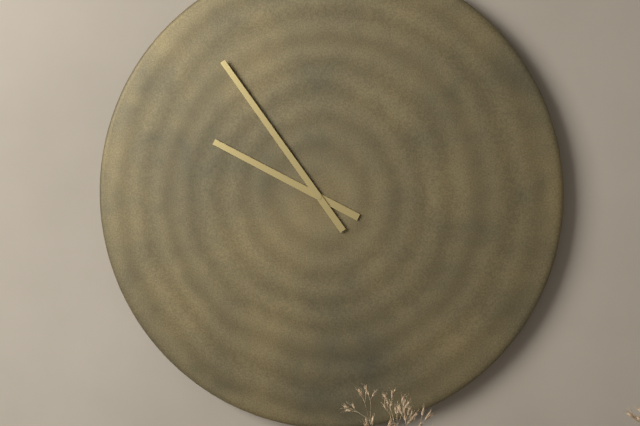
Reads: 9:54
